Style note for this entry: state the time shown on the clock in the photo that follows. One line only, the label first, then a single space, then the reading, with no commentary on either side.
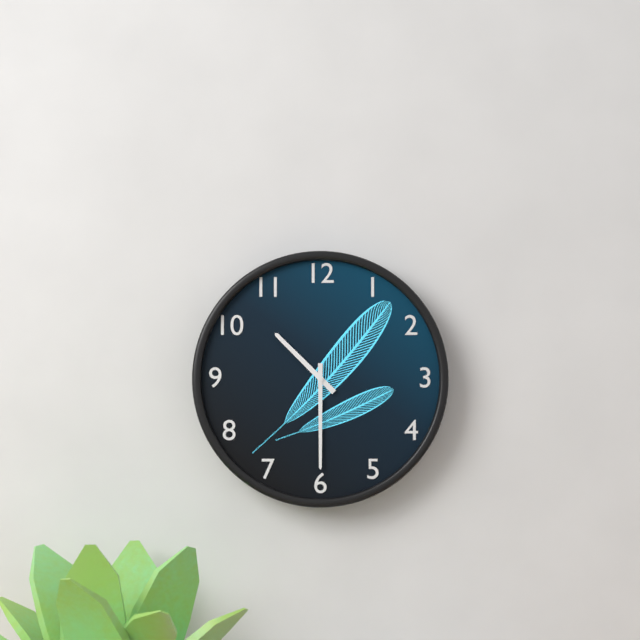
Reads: 10:30
